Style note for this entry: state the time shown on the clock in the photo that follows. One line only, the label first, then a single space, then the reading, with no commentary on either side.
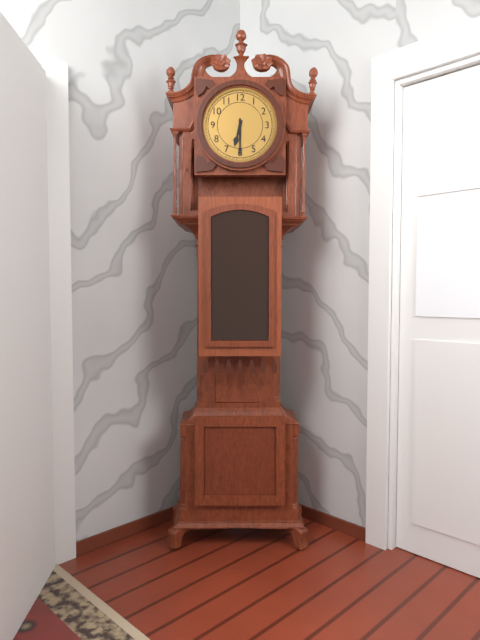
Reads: 6:30
